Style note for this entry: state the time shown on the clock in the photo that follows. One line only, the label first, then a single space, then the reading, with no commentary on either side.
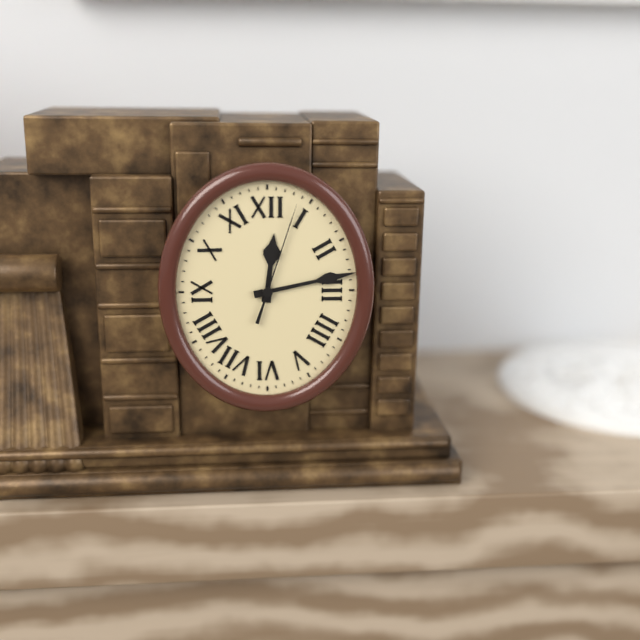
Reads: 12:13:03
